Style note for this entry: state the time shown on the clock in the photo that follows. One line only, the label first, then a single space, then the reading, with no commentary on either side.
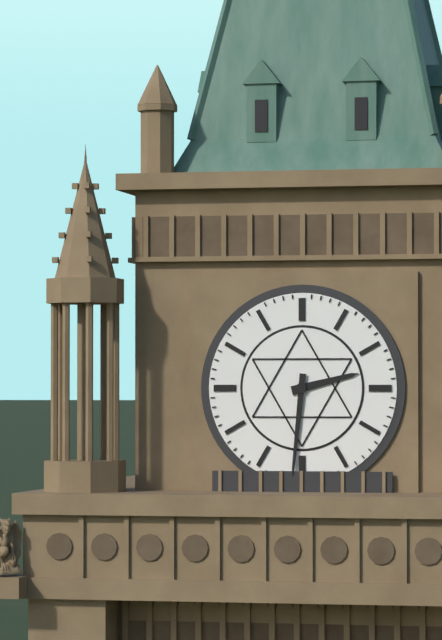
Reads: 2:31
